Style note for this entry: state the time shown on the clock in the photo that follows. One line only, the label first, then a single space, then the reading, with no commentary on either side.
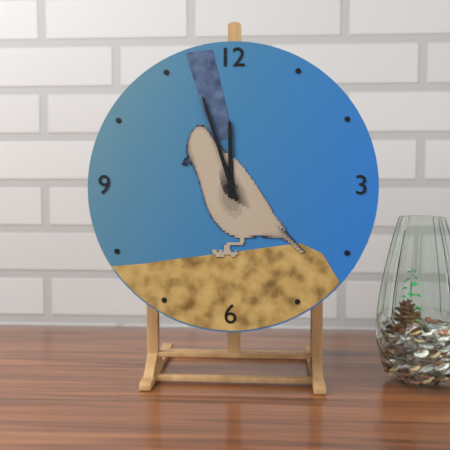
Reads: 11:57
